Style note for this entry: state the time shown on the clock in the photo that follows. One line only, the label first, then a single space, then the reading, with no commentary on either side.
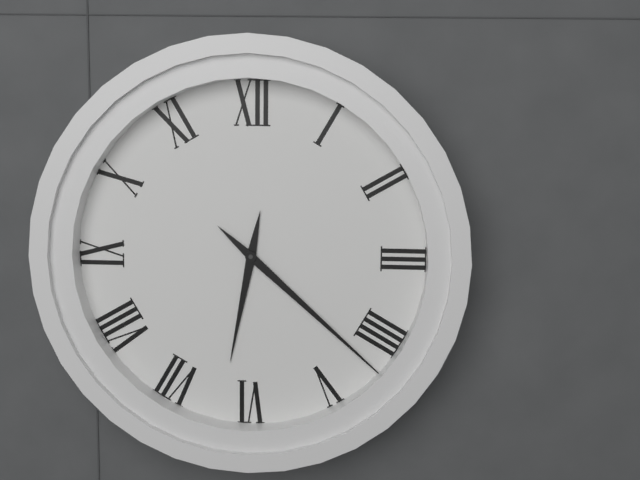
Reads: 6:22
